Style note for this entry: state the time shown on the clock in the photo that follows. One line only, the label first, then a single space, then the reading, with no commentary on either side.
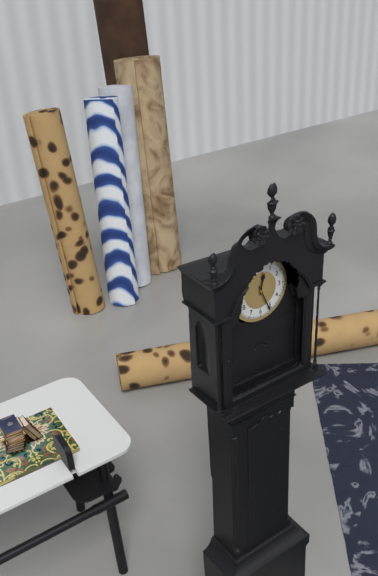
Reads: 12:26
